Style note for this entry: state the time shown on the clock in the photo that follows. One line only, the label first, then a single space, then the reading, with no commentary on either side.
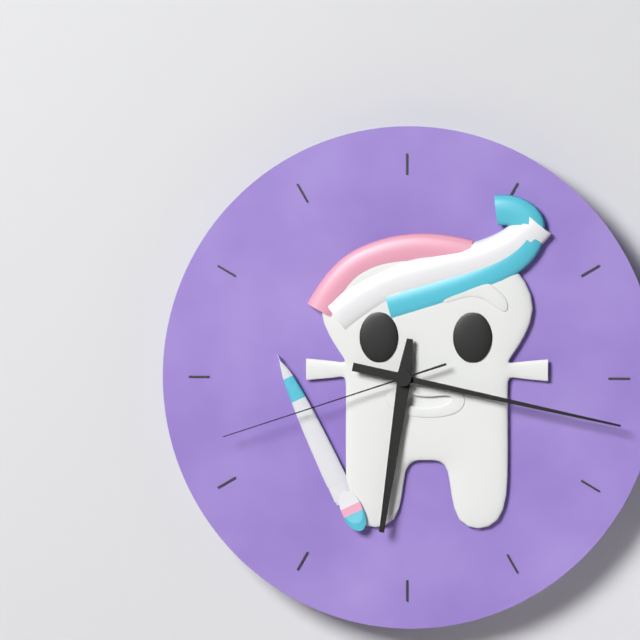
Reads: 6:17:42
